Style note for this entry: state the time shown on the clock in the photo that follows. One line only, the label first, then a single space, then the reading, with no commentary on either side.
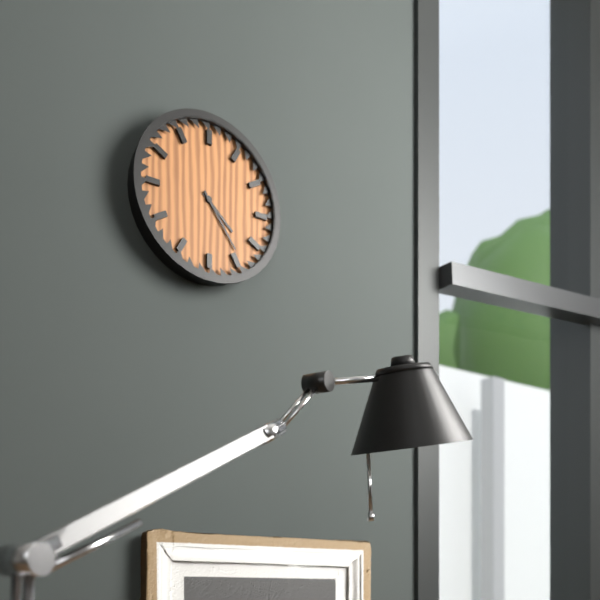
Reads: 4:24
